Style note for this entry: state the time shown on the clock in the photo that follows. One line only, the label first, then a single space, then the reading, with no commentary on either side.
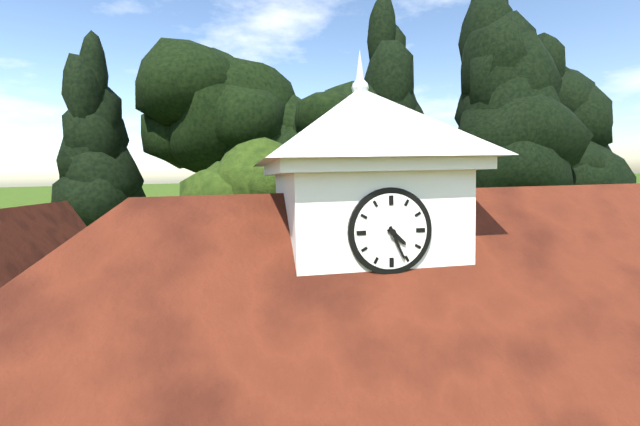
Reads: 4:26
